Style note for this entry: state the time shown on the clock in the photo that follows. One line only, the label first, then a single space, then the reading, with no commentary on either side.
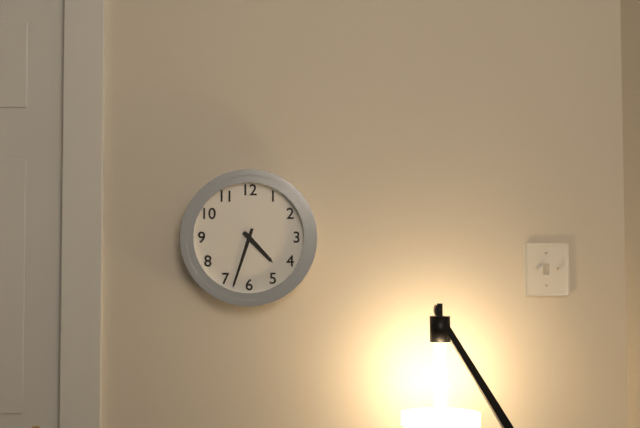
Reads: 4:33
